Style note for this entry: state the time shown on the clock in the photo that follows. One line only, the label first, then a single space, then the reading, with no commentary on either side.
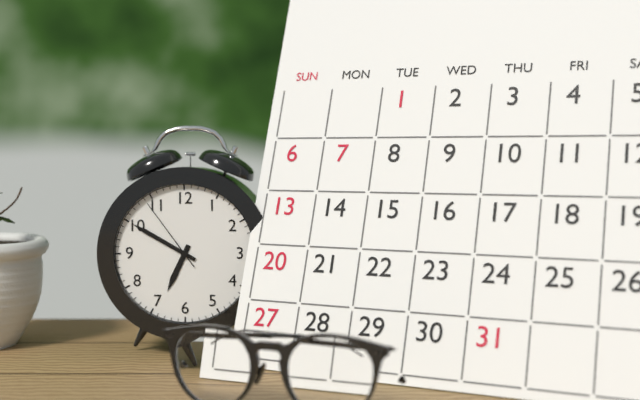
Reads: 6:50:54
